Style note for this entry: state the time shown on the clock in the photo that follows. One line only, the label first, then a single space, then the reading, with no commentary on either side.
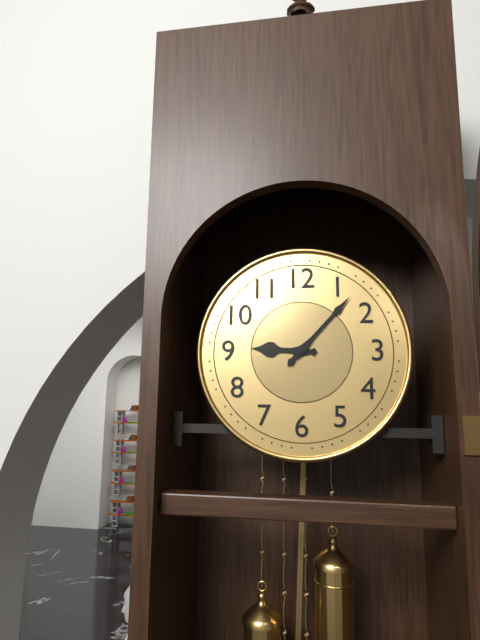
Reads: 9:07
